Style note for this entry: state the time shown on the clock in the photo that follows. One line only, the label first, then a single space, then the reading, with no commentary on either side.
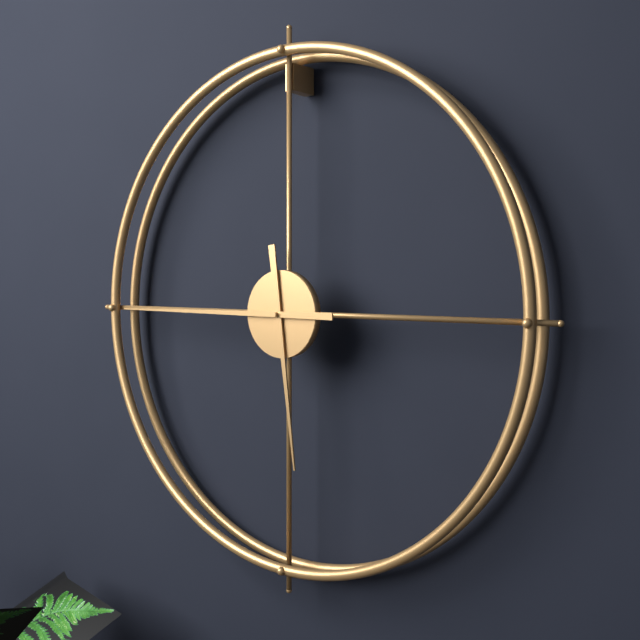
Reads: 5:45
